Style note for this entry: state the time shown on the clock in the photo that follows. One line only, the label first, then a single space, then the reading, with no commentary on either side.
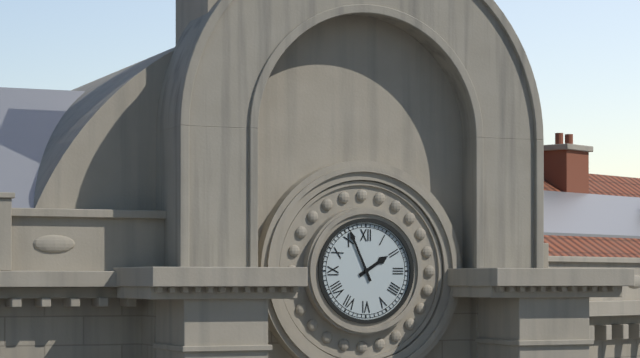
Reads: 1:56
